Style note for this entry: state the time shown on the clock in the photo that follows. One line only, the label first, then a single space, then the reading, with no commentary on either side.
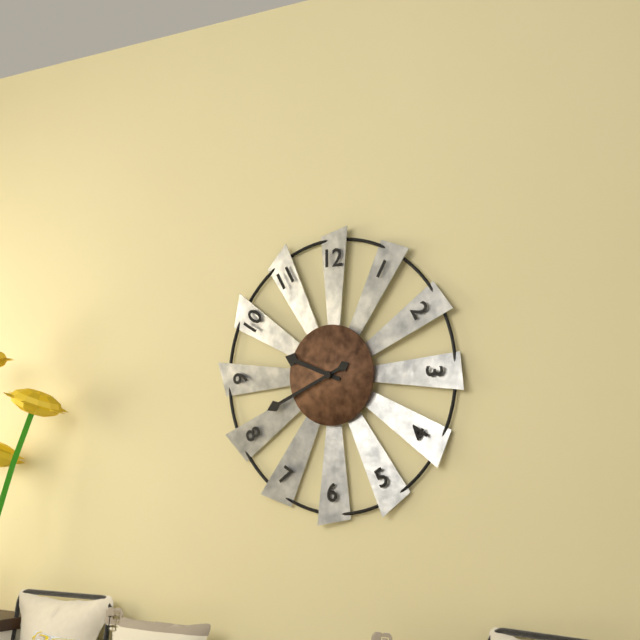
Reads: 9:41
